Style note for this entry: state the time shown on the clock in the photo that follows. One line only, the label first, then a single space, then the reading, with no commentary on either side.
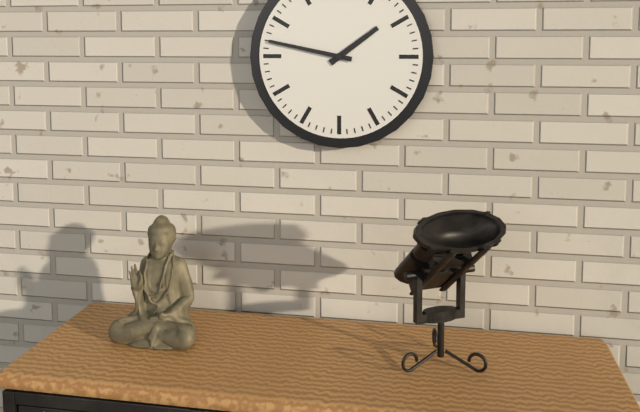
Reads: 1:47
